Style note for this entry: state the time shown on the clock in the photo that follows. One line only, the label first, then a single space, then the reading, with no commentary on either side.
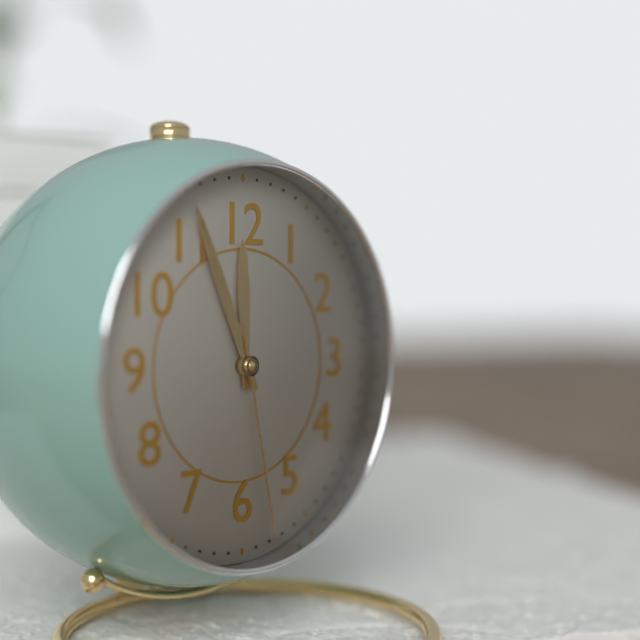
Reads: 11:56:28
